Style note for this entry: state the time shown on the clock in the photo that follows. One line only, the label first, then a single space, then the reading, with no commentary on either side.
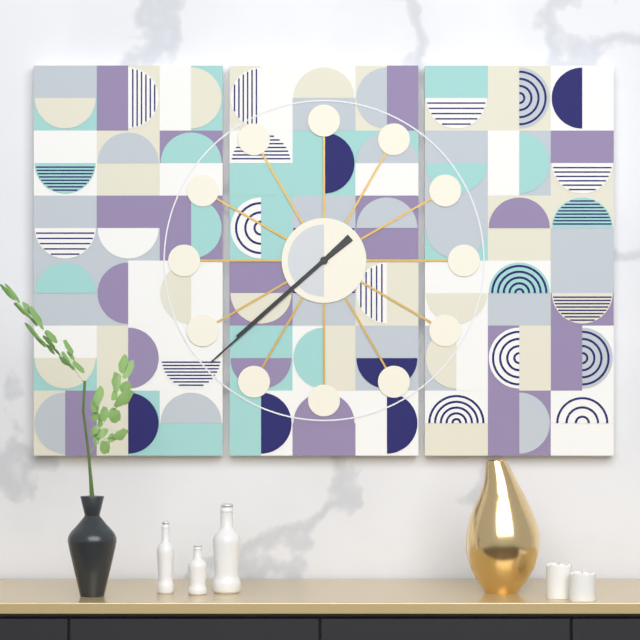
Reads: 7:38
